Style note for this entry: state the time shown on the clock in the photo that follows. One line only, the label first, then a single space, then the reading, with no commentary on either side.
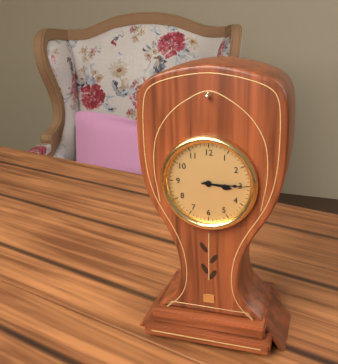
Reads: 3:15
